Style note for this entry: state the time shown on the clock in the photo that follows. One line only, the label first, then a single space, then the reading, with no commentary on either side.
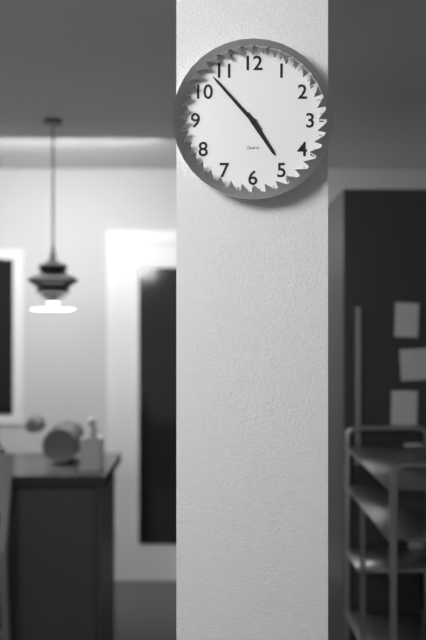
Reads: 4:53
